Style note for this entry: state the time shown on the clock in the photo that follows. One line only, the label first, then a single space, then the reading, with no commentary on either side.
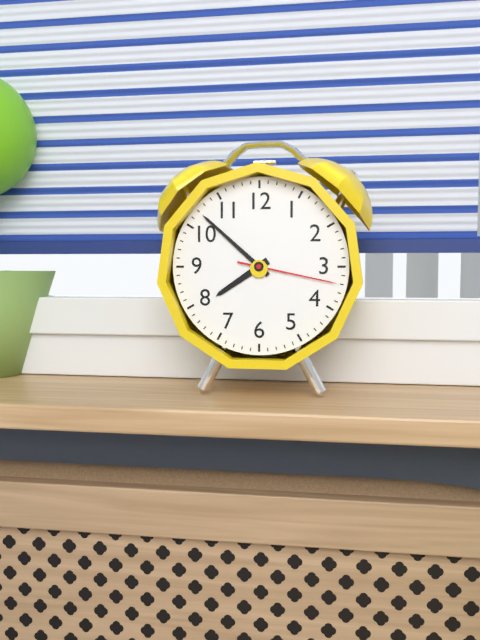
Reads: 7:52:17
